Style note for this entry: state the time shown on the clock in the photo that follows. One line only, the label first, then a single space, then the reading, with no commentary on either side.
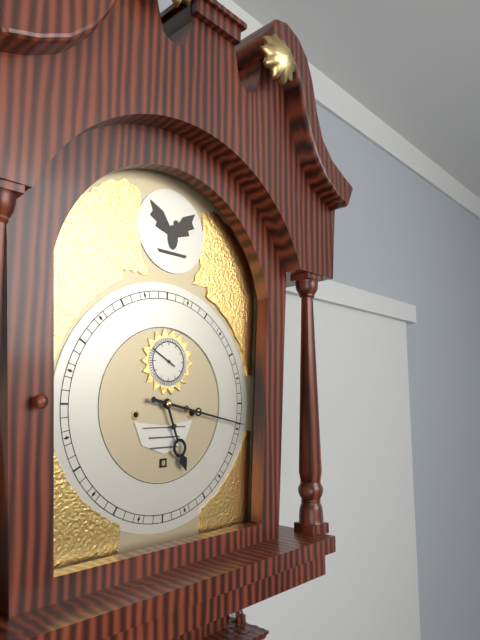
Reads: 5:17
